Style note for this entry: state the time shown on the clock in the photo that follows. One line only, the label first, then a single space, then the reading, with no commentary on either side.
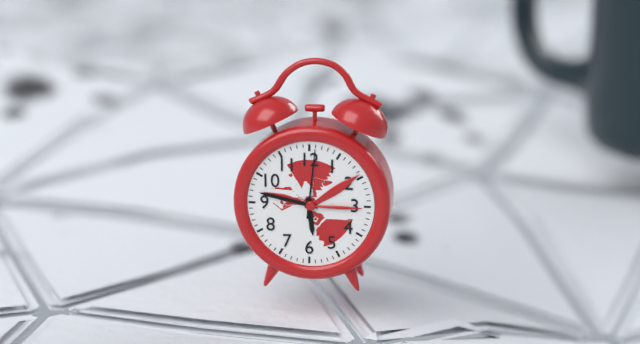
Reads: 5:47:01
